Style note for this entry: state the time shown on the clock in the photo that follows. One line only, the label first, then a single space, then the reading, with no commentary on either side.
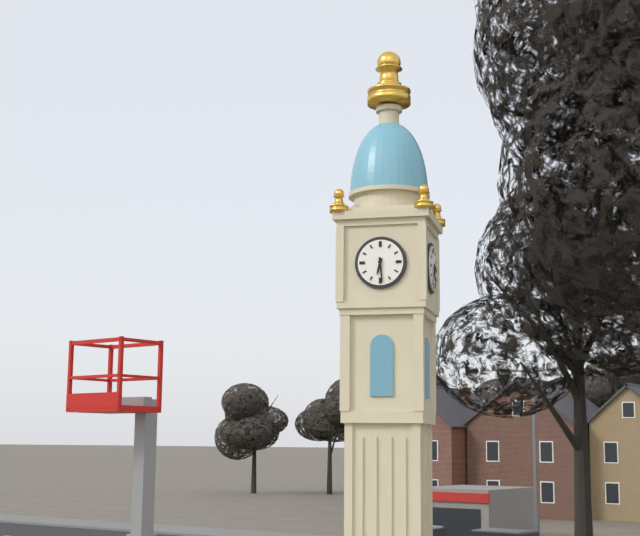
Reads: 6:29
